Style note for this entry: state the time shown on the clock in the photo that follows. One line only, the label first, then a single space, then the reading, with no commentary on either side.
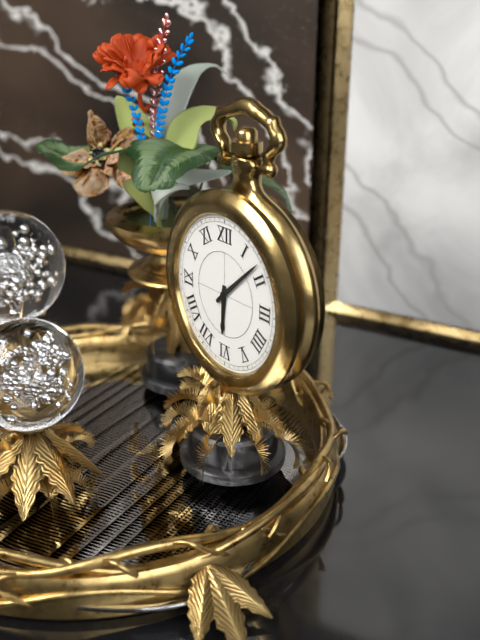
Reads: 6:08
